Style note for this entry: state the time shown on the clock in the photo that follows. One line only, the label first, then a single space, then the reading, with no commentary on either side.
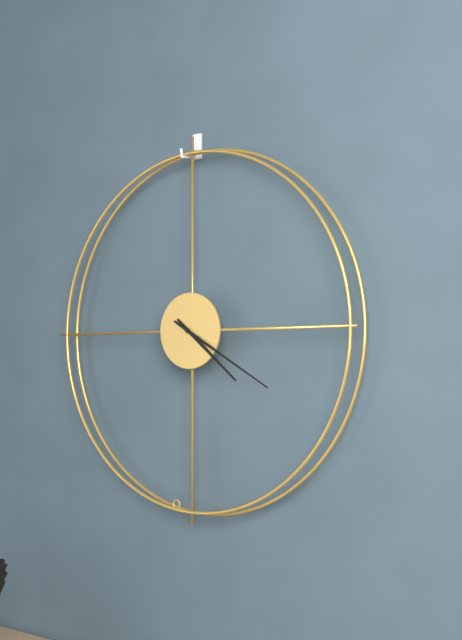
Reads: 4:20
